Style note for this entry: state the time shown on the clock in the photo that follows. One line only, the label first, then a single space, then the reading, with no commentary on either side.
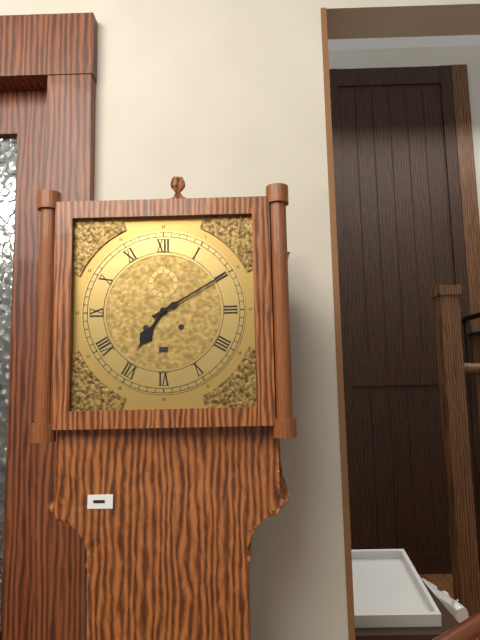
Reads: 7:10
